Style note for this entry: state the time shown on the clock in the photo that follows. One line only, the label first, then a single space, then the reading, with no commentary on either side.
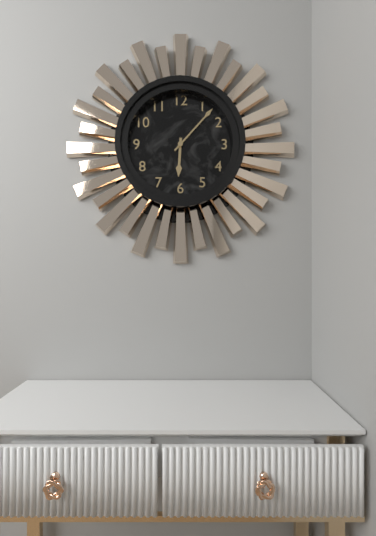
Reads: 6:07
